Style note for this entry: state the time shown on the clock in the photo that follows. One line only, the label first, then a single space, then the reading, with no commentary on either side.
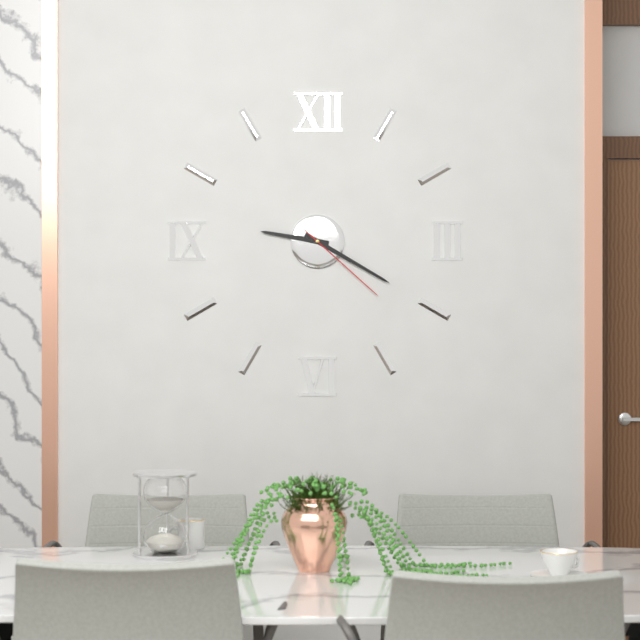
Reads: 9:20:22
